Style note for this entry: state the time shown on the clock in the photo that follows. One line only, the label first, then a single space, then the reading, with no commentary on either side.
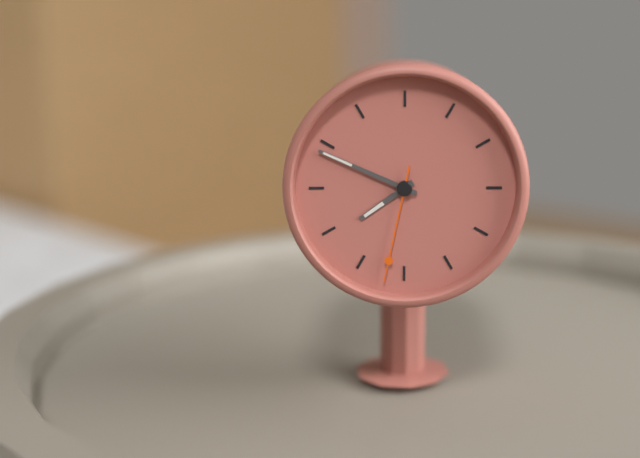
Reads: 7:49:32
